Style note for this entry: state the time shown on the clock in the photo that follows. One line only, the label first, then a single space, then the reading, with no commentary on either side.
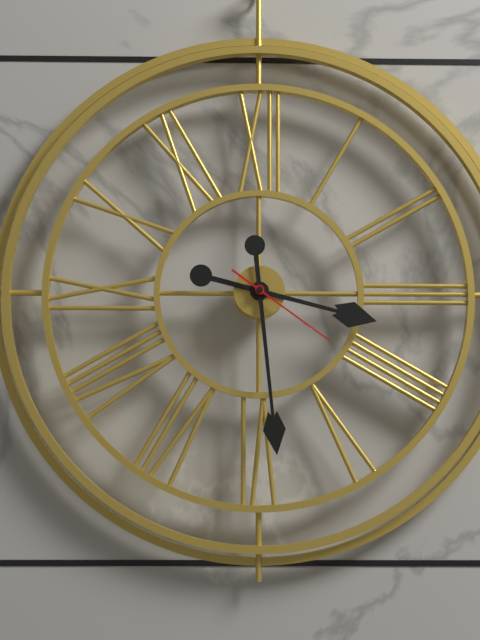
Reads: 3:29:21
